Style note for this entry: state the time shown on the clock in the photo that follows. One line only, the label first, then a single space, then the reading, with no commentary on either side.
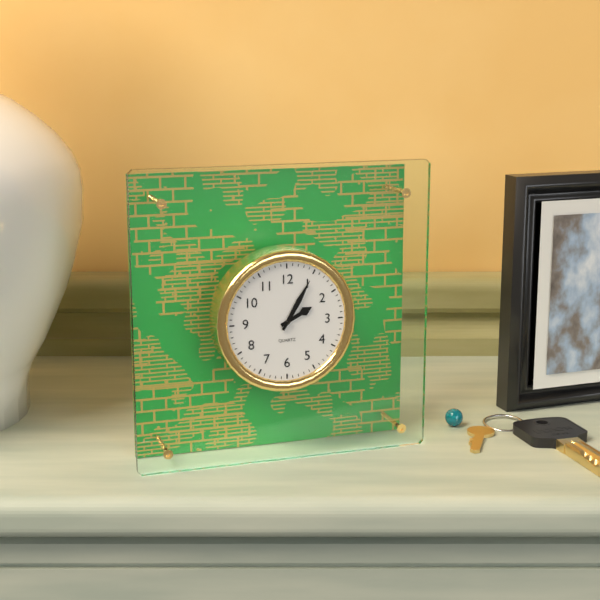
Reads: 2:05
